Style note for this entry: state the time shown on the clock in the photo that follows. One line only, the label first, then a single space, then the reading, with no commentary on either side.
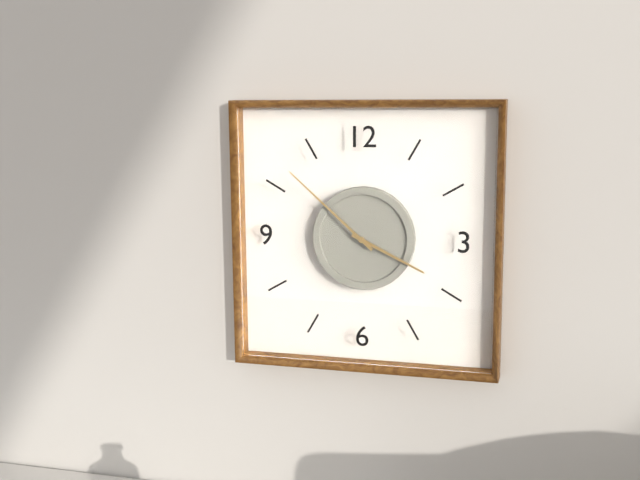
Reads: 3:52
